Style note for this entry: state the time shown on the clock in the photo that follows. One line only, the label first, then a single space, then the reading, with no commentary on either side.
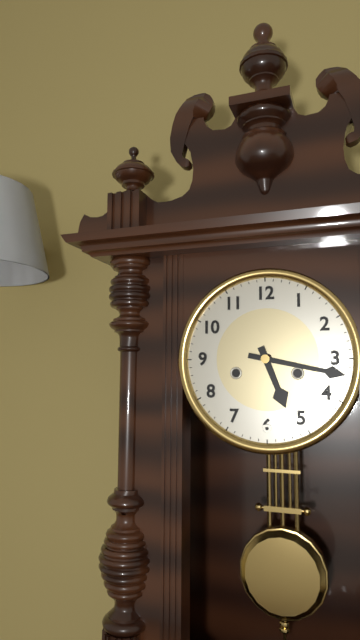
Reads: 5:17
